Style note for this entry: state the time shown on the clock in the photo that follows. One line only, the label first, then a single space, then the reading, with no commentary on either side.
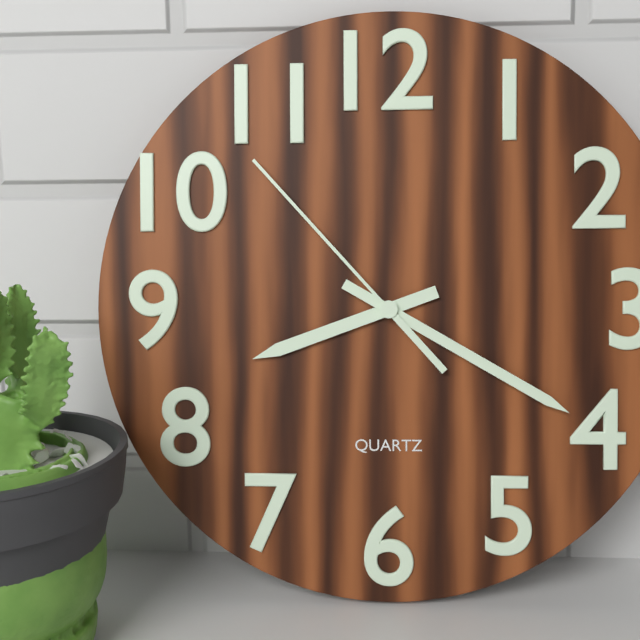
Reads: 8:20:53
